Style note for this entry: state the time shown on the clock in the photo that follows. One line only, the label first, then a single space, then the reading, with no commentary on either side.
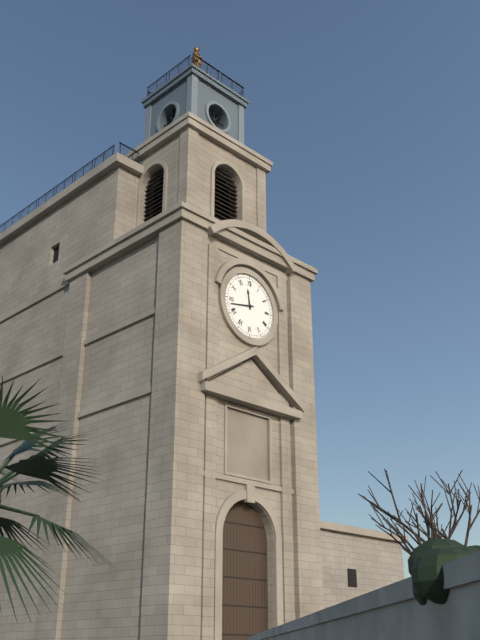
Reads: 11:43
